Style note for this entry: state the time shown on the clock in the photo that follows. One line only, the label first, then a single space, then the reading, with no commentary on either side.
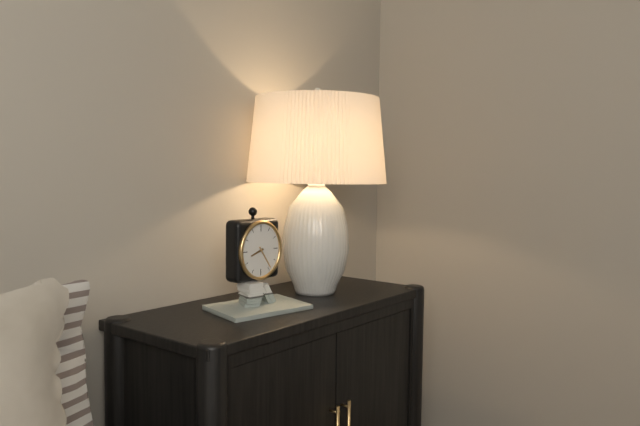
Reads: 8:24
